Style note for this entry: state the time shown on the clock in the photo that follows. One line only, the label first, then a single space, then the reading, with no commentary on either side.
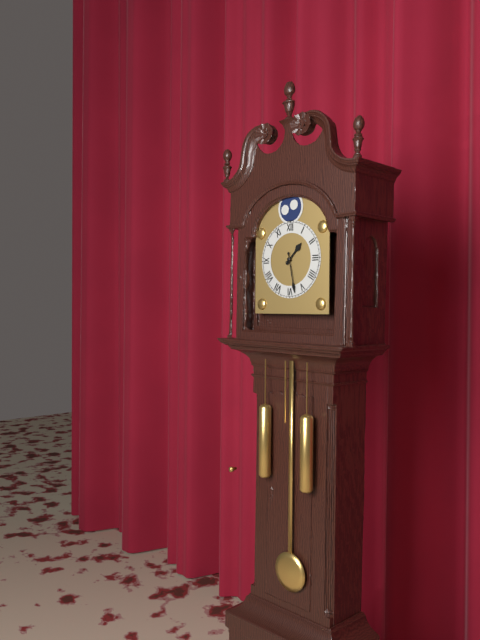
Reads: 1:28
